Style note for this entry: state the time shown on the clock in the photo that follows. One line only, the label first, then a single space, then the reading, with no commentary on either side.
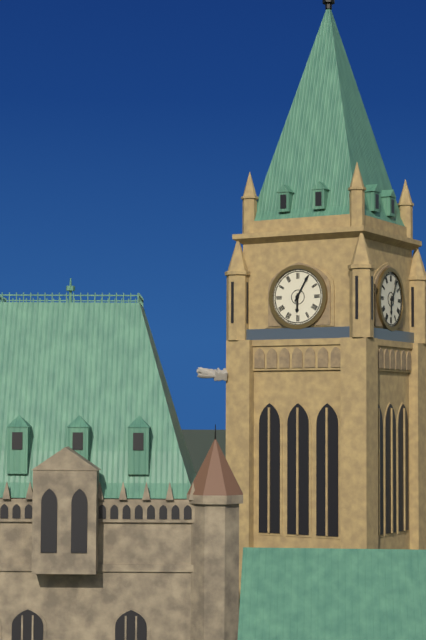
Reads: 6:05
